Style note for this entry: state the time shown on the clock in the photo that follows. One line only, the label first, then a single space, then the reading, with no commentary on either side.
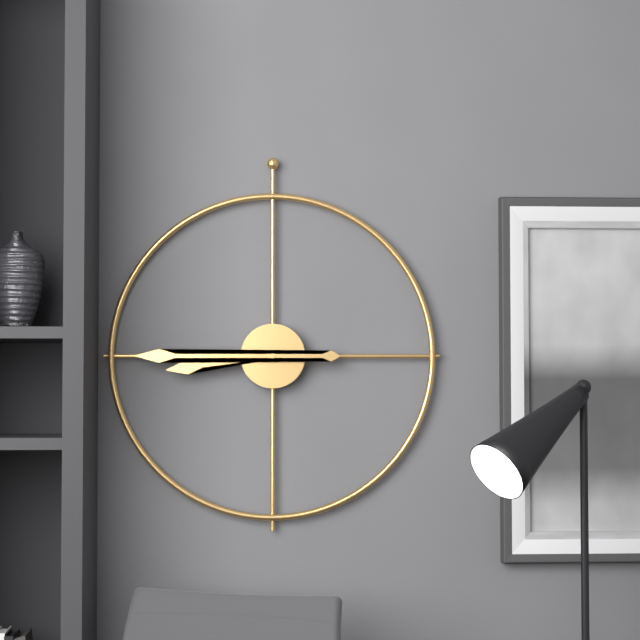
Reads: 8:45
